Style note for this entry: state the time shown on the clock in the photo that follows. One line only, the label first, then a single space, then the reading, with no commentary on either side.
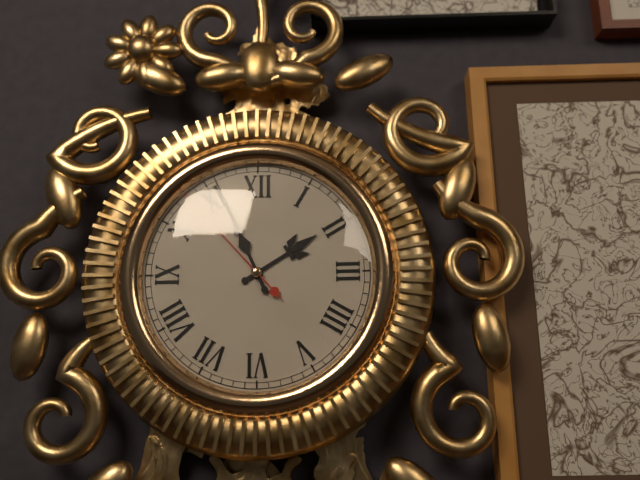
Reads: 1:56:53
